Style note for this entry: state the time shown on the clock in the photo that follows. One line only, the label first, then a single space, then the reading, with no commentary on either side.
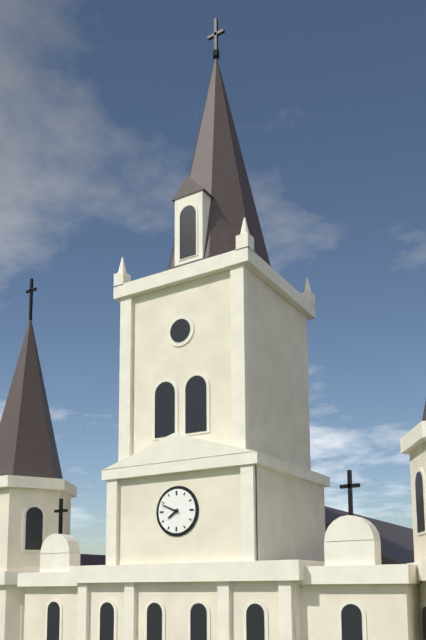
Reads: 7:49
